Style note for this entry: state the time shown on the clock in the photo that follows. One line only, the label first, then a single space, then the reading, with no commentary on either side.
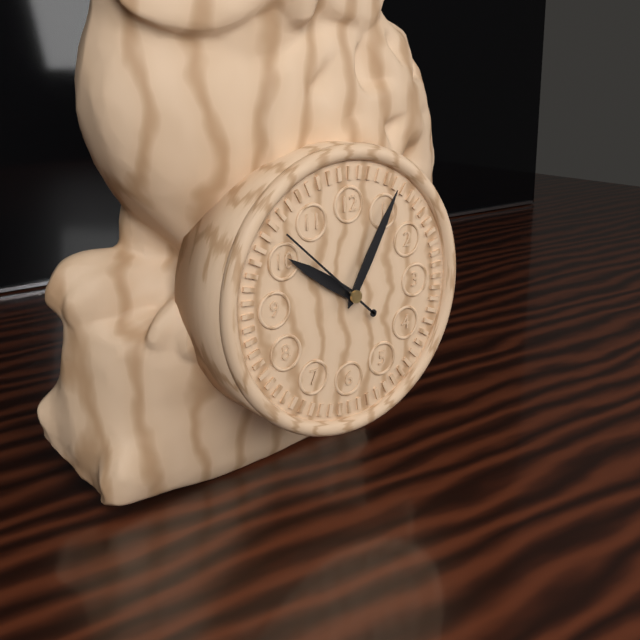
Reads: 10:05:52
